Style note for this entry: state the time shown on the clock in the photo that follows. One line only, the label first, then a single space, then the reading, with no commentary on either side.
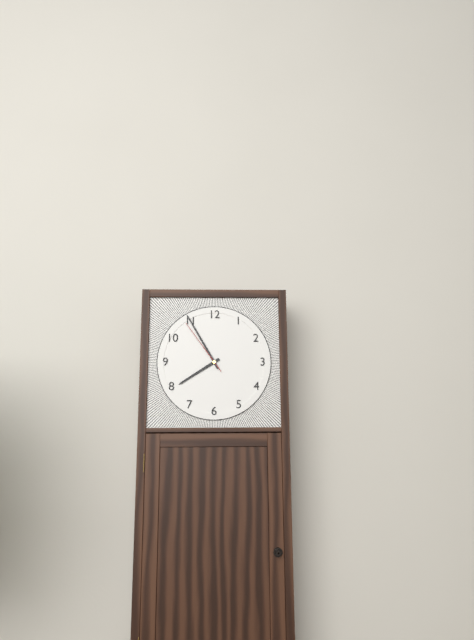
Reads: 7:55:54
